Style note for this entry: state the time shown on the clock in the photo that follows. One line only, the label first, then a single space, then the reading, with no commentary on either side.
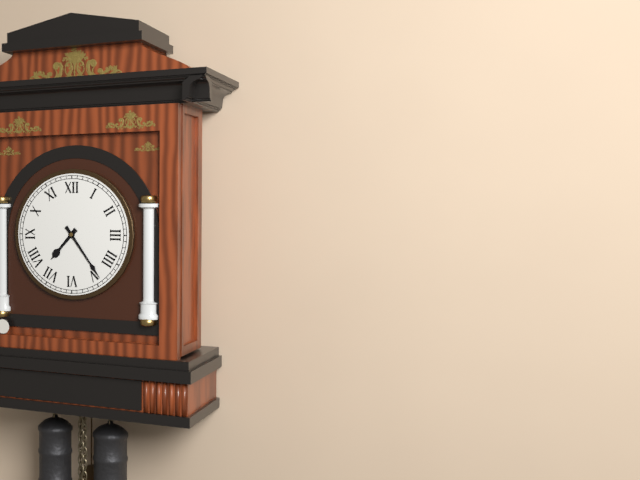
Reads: 7:24
